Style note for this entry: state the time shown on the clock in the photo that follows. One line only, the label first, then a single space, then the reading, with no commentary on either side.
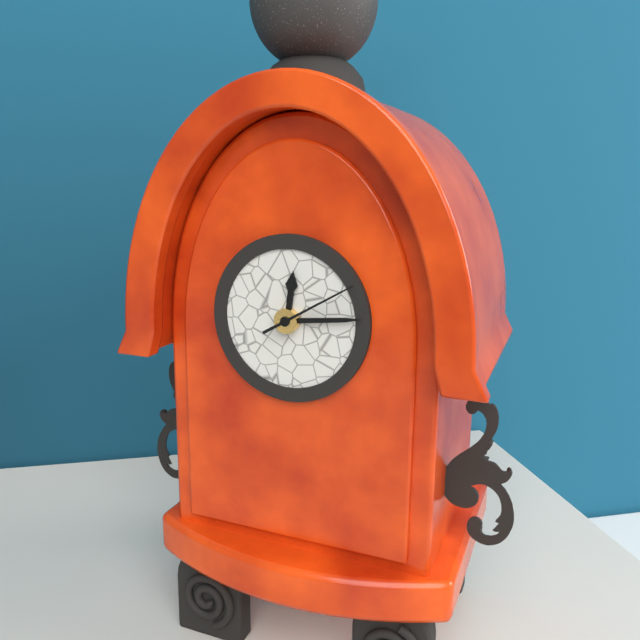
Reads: 12:14:10
